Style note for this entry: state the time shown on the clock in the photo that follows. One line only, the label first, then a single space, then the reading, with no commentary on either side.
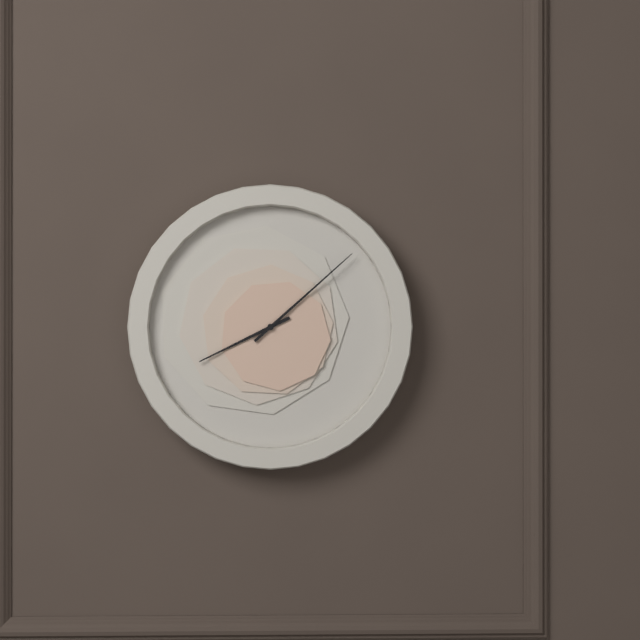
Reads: 8:08
